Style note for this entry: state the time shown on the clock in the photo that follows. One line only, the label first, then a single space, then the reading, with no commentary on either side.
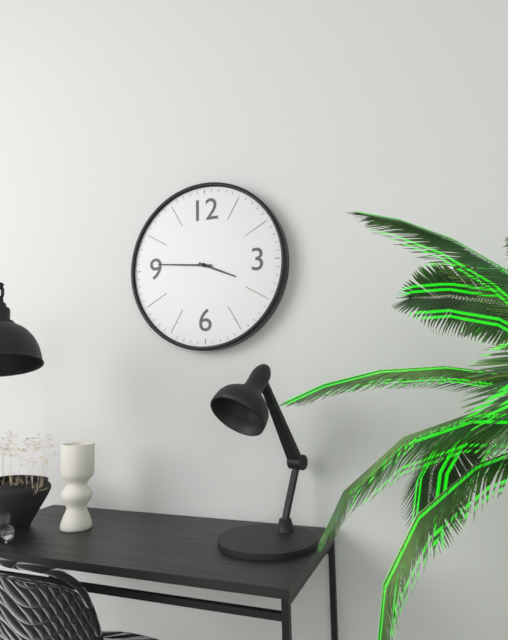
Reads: 3:46
